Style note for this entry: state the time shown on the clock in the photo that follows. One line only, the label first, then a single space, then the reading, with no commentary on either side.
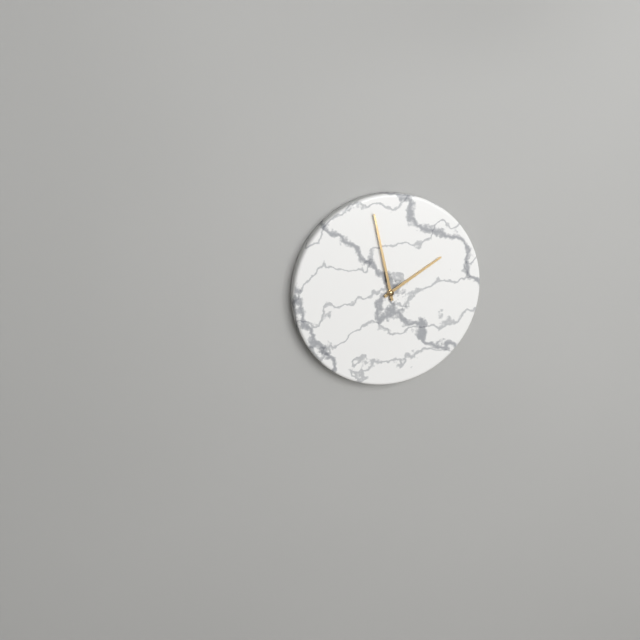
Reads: 1:58
